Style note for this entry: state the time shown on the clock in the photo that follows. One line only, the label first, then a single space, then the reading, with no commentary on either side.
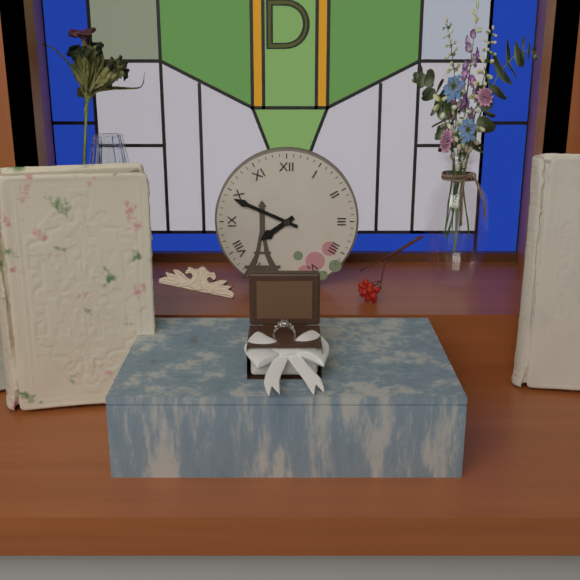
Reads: 7:49
